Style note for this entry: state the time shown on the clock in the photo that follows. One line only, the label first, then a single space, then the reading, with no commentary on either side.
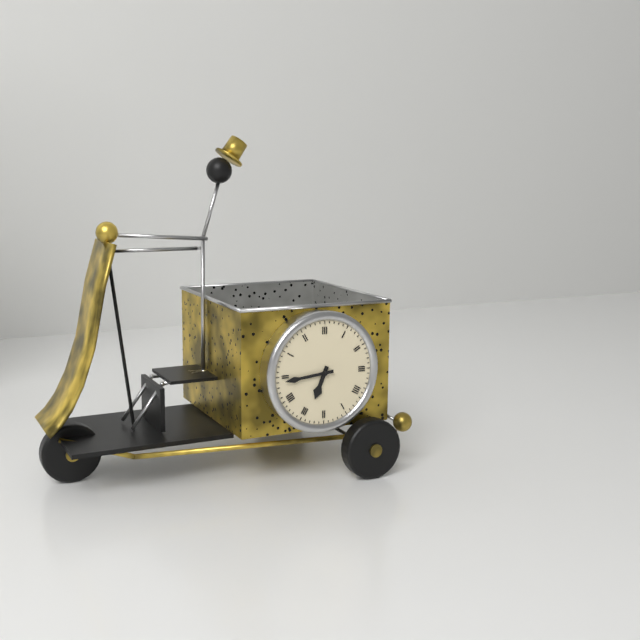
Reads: 6:44
